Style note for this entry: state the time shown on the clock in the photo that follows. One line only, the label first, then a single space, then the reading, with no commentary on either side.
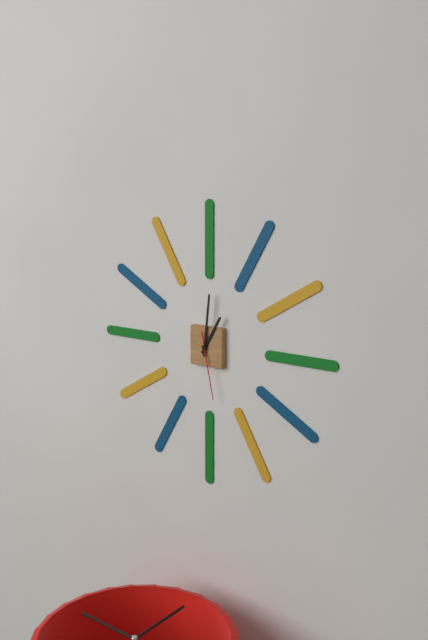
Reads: 1:01:28
